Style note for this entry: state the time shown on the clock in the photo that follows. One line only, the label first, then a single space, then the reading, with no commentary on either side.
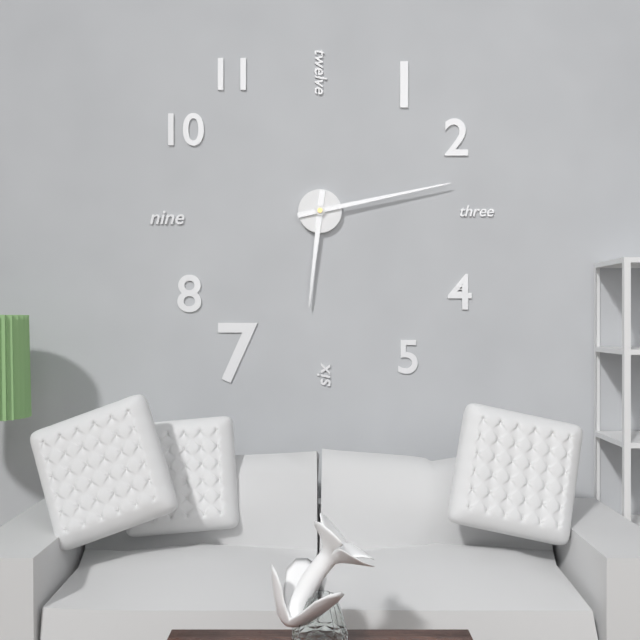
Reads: 6:13
